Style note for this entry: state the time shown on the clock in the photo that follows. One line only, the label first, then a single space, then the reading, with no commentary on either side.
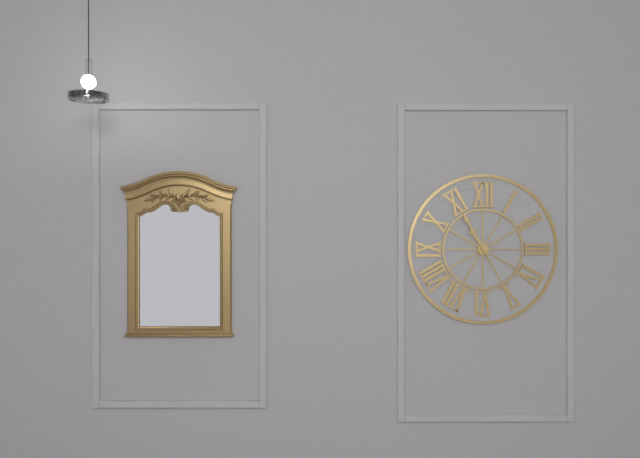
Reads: 10:55
